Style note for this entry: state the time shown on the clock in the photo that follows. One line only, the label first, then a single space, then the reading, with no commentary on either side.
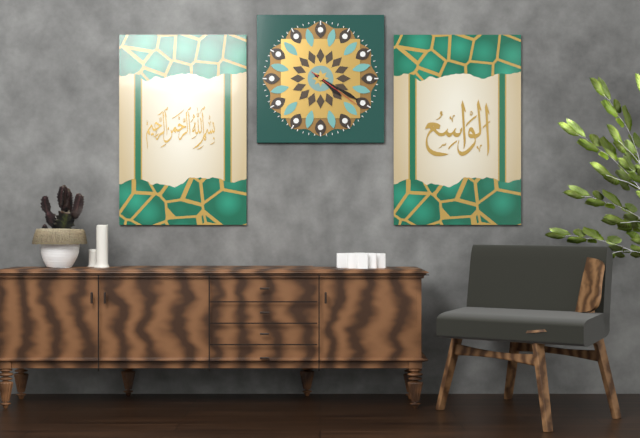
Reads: 4:20:21
